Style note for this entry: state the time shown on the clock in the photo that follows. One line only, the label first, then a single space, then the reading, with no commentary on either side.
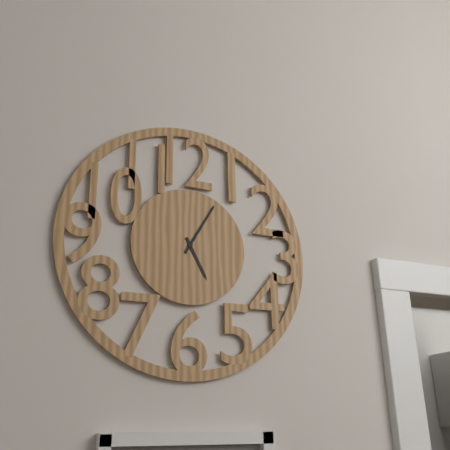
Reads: 5:05
